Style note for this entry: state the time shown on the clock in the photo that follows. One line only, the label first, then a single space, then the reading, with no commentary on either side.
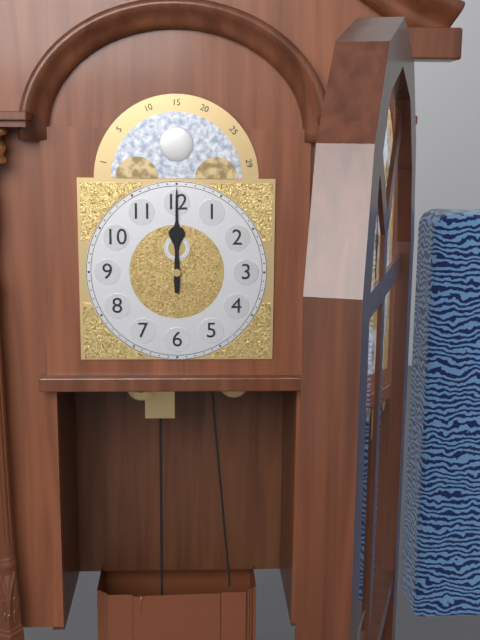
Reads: 12:00
